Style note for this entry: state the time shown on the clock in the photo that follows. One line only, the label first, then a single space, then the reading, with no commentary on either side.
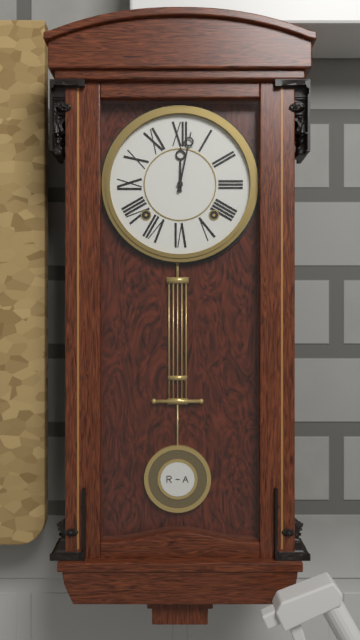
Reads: 12:02
